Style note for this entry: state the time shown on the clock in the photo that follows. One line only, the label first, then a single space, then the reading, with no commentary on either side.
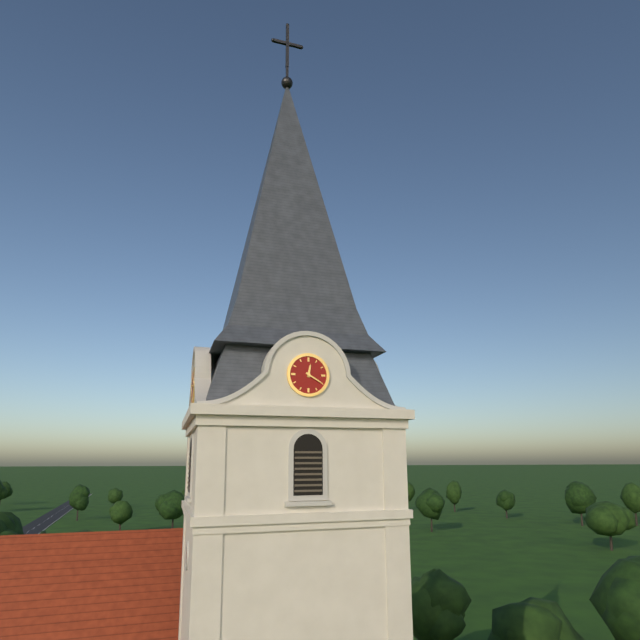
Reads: 12:20
